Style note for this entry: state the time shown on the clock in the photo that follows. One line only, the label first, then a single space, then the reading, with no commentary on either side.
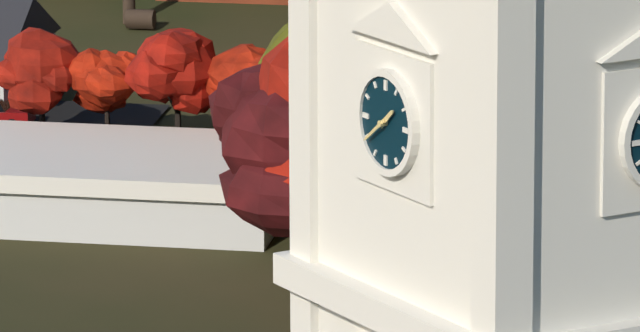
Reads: 1:39
